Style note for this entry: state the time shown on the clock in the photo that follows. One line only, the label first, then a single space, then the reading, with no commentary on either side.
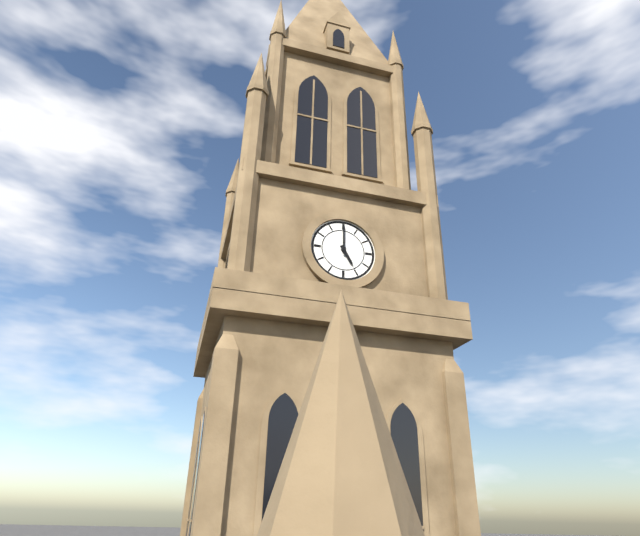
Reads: 5:00
